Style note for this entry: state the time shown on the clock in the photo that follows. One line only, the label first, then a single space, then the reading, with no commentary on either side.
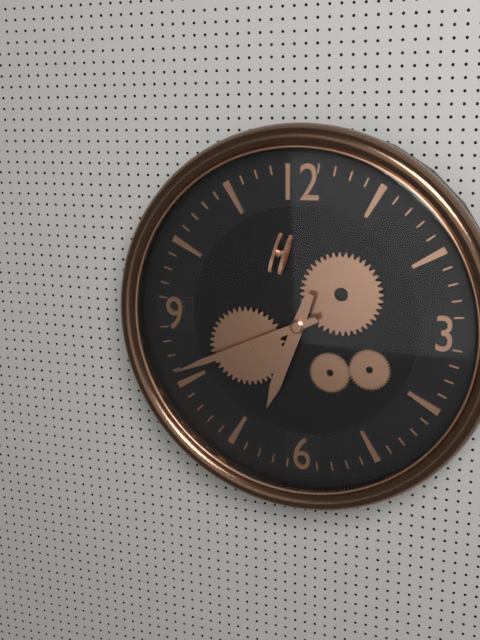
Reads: 6:41
